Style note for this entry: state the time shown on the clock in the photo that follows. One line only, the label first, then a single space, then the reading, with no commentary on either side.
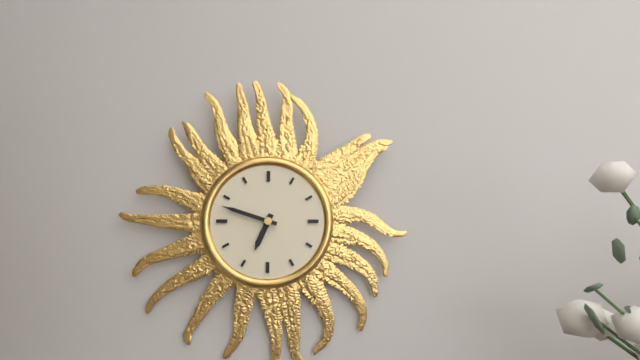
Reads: 6:48
